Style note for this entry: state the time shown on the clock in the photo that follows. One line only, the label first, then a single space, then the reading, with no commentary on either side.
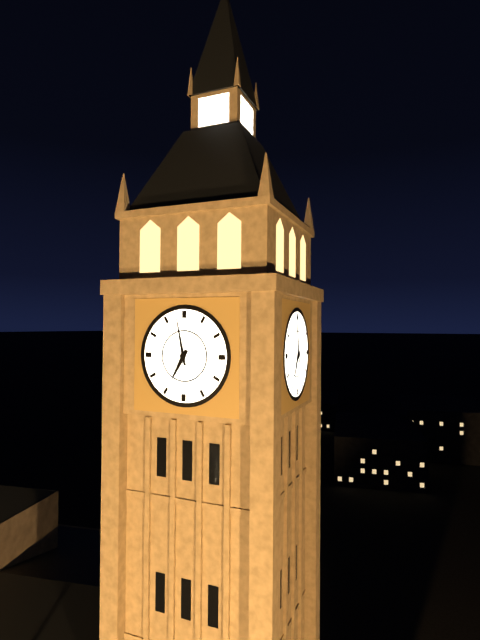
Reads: 6:58
